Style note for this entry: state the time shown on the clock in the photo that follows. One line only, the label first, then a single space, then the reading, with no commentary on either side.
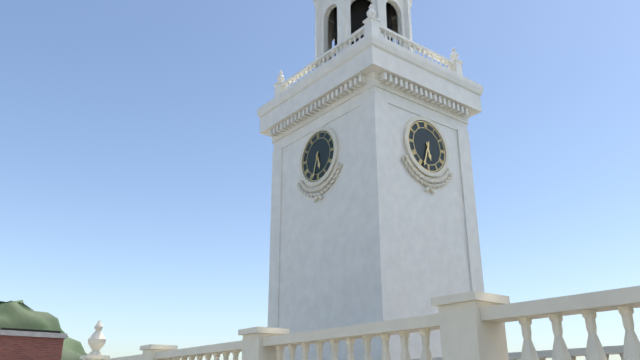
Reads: 5:33
